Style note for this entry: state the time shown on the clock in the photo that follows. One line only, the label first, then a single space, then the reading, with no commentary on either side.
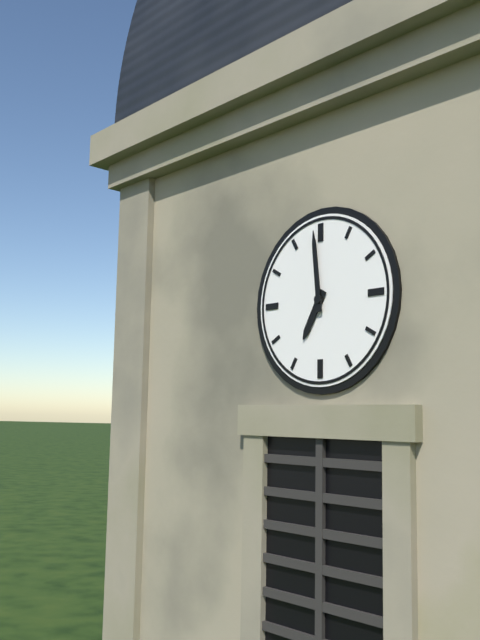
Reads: 6:59
